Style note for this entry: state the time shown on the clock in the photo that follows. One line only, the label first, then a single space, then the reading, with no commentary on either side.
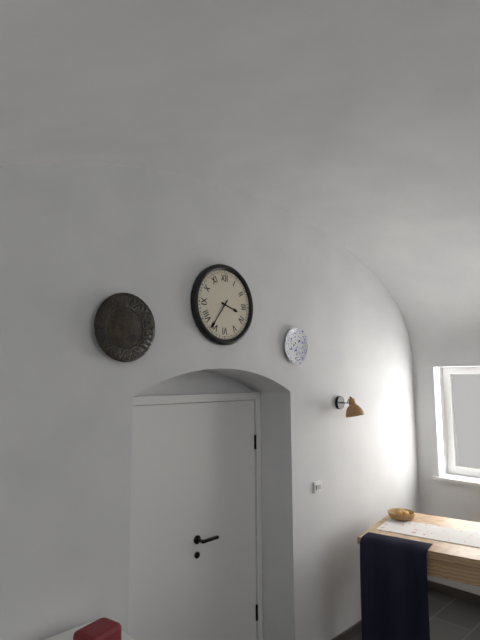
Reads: 3:36
